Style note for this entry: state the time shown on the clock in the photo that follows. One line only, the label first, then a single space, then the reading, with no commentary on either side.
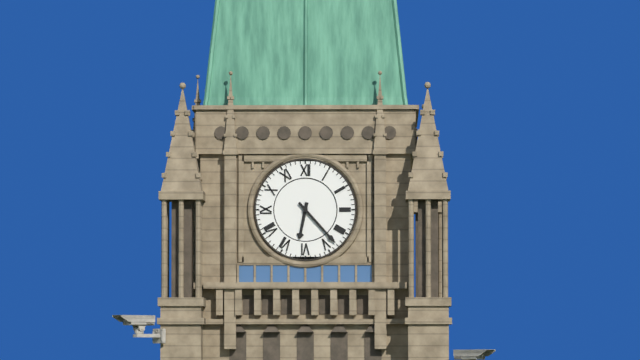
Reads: 6:23
